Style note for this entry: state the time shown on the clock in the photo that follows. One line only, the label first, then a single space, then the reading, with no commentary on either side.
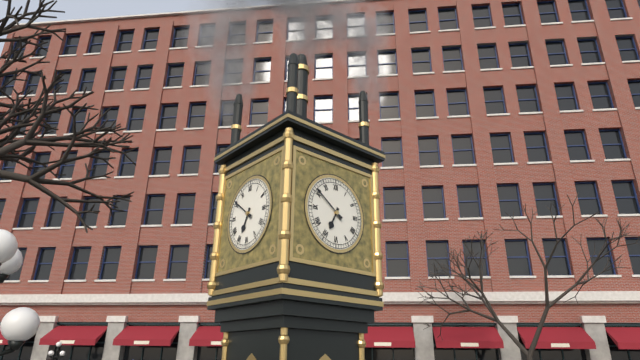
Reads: 6:51
